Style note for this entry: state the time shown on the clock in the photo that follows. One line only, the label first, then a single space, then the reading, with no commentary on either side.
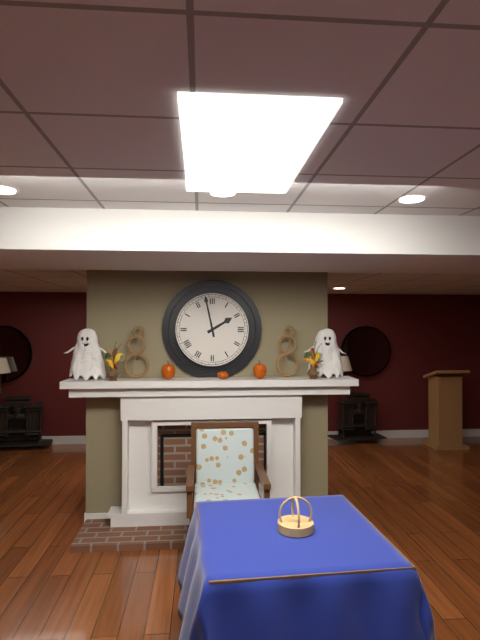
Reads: 1:58
